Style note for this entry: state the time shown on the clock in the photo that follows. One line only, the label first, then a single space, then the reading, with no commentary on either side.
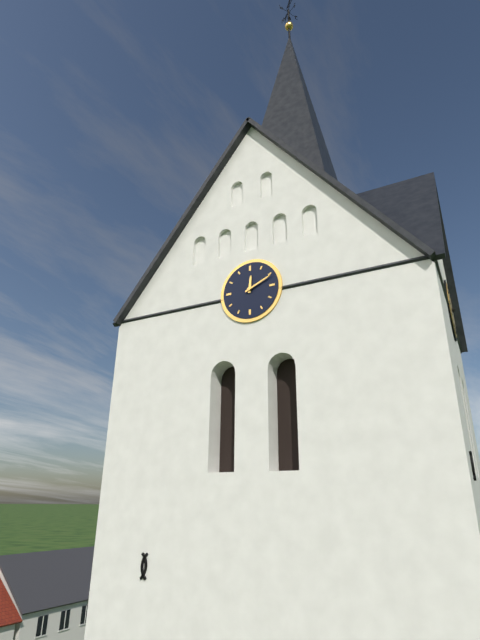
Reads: 12:11
